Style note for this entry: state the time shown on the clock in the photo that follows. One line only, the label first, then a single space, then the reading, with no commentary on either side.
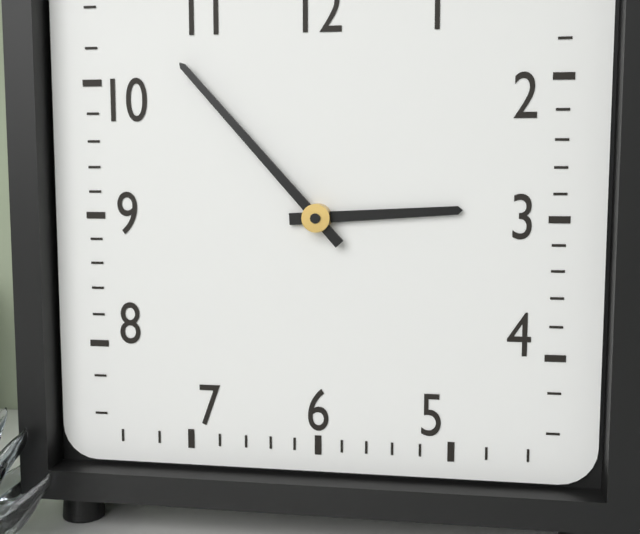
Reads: 2:53
